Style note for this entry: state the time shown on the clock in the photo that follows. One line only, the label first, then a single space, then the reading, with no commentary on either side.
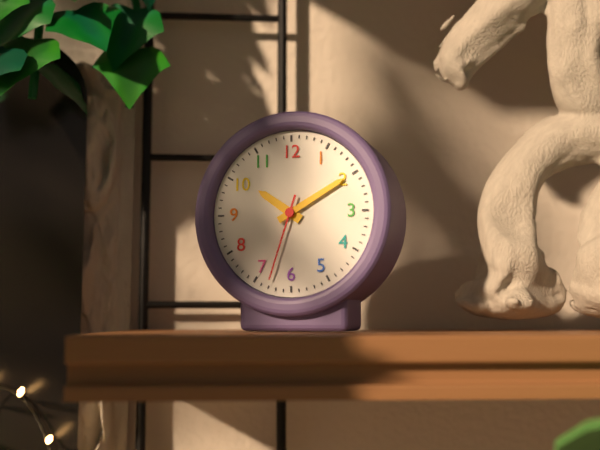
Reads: 10:10:33
